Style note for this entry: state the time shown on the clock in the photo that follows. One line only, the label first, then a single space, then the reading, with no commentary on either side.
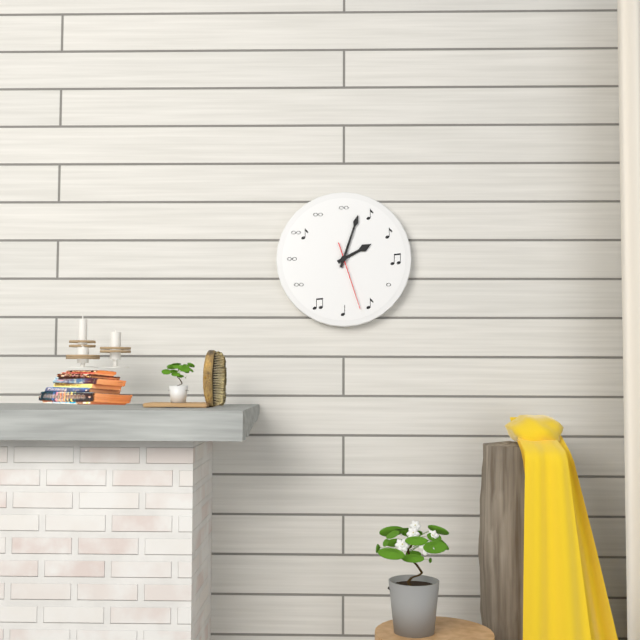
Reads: 2:03:27
